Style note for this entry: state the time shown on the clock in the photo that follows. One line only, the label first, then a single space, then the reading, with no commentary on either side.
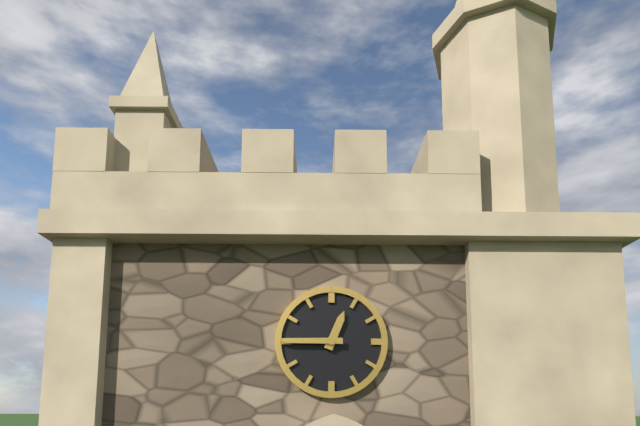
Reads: 12:45
